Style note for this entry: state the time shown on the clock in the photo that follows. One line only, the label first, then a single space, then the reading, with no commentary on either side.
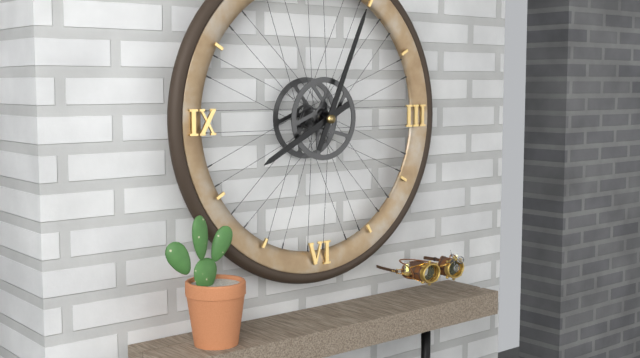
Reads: 8:04
